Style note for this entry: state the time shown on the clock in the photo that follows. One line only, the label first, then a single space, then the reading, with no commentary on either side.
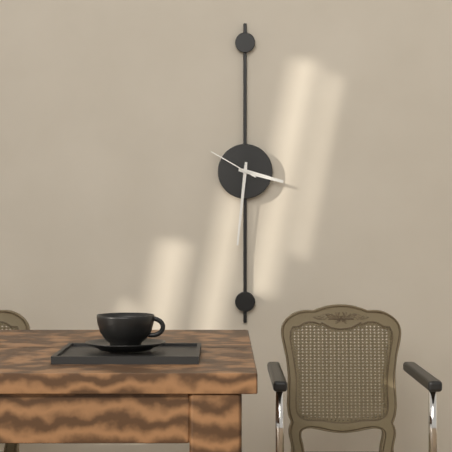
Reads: 3:31
